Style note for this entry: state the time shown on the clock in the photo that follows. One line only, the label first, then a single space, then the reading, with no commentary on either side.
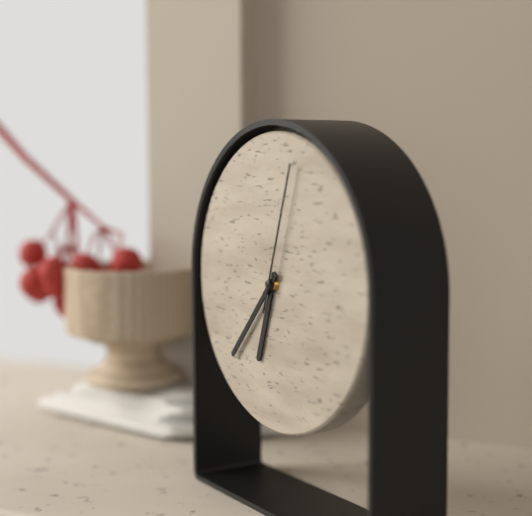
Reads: 6:37:03
